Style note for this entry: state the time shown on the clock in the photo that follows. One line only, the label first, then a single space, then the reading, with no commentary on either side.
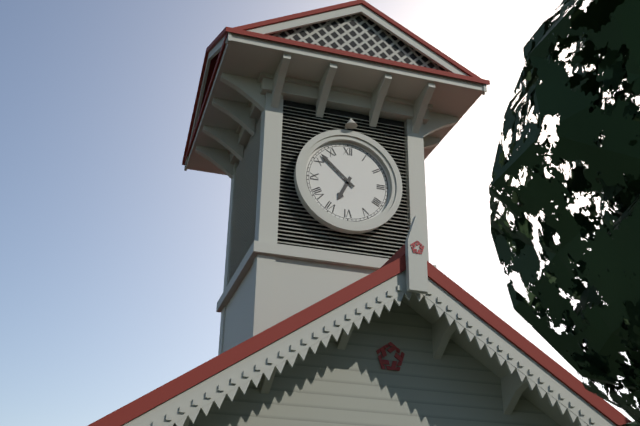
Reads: 6:52
